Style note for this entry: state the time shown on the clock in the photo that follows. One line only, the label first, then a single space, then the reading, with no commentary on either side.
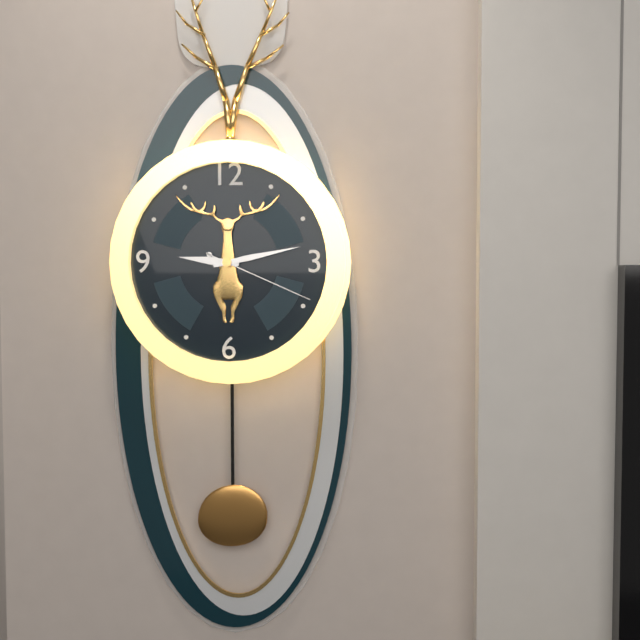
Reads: 9:13:19
